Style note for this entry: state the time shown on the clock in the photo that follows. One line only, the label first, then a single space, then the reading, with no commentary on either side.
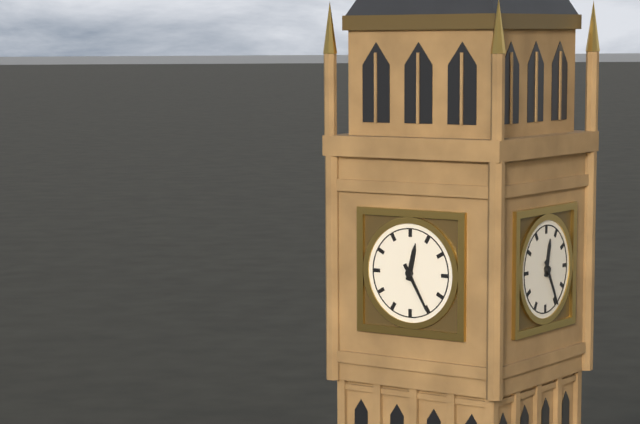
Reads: 12:25
